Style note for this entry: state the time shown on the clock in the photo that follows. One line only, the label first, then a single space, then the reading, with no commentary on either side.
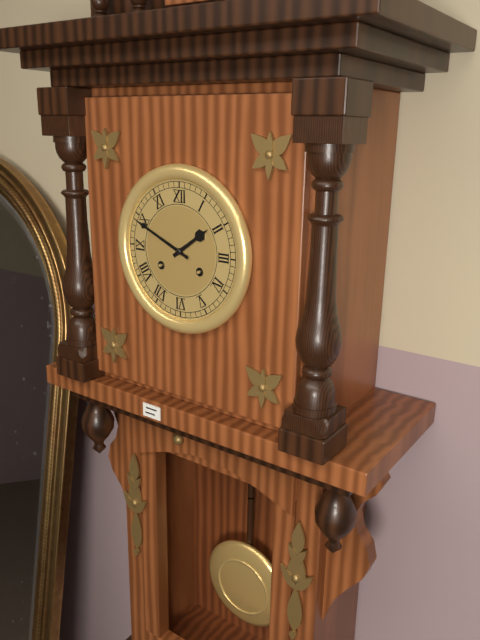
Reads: 1:49
